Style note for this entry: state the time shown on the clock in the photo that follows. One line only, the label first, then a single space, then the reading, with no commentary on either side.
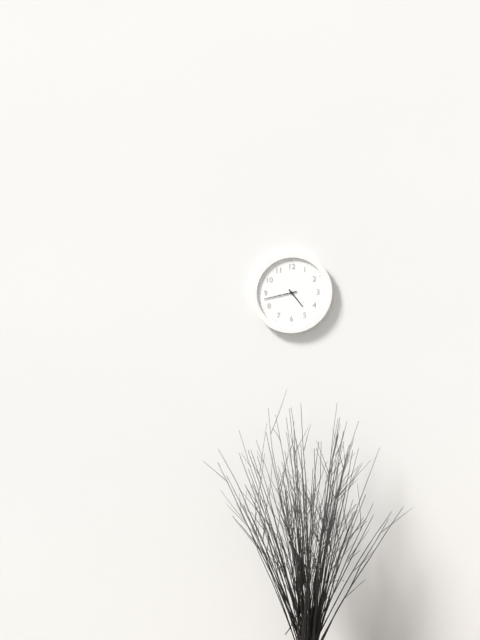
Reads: 4:43
